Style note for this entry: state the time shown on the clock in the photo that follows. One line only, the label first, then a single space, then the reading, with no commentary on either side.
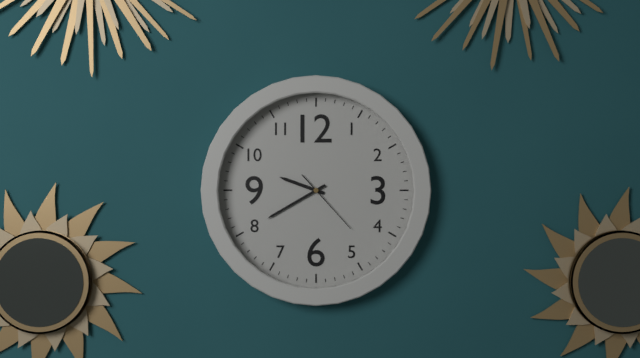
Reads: 9:40:23
